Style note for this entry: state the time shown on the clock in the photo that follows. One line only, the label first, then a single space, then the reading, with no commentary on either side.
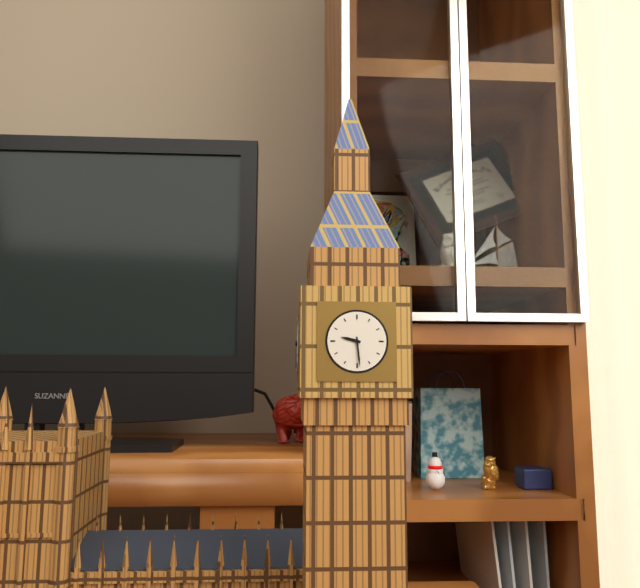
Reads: 9:29
